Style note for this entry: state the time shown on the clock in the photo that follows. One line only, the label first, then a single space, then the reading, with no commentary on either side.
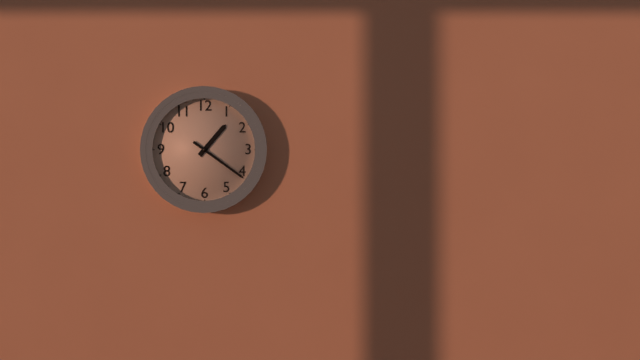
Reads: 1:21
